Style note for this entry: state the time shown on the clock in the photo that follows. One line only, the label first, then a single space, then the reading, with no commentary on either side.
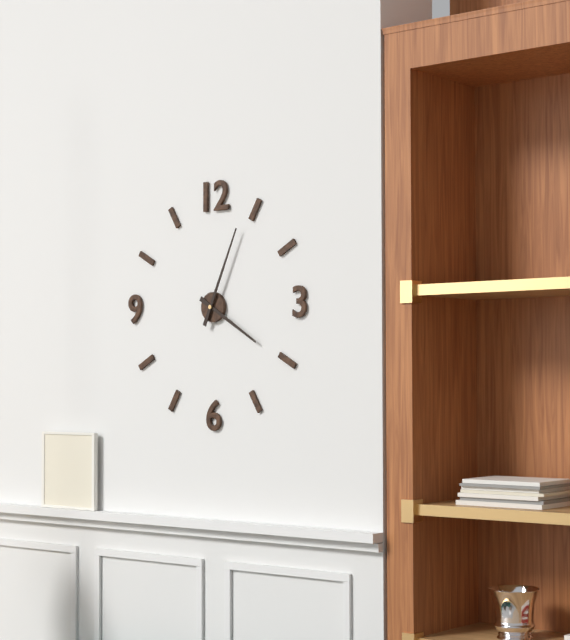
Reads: 4:04
